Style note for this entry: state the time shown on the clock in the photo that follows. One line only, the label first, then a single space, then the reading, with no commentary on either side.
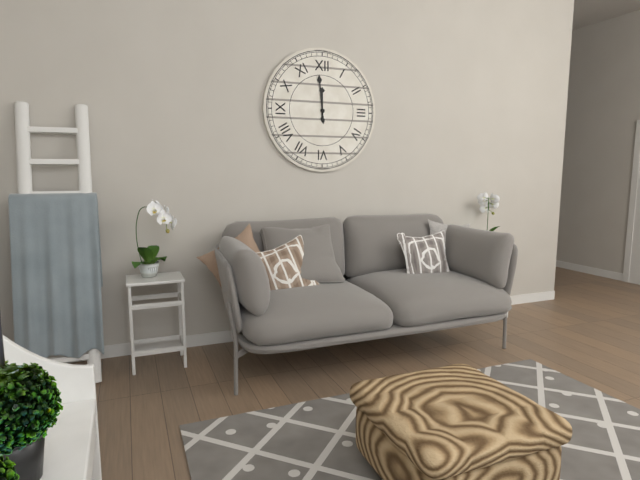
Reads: 11:59
